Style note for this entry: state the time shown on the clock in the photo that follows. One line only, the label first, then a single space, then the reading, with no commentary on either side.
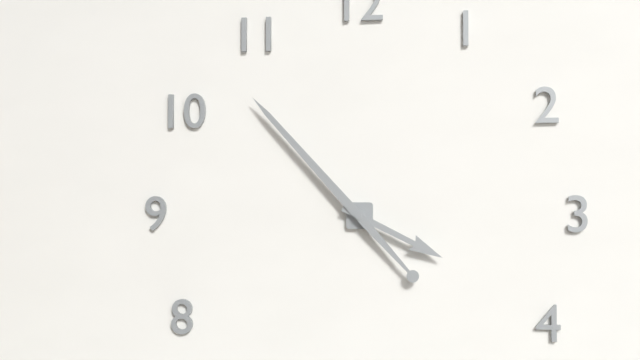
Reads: 3:53
